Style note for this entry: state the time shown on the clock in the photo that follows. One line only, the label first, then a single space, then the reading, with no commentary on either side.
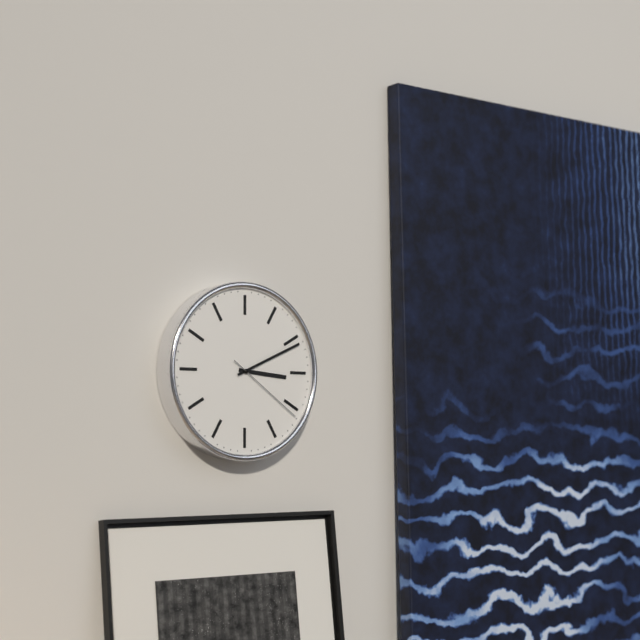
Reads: 3:11:21
